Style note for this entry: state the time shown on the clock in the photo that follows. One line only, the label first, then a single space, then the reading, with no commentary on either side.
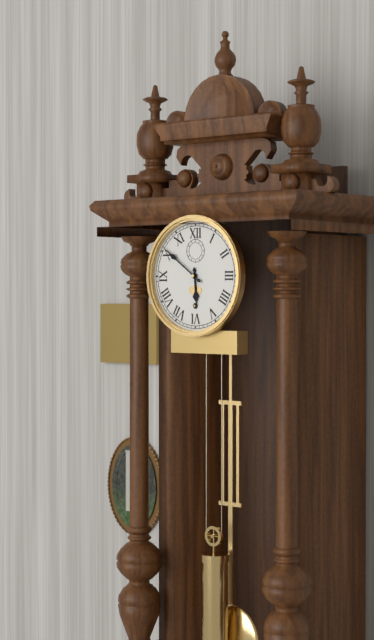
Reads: 5:51
